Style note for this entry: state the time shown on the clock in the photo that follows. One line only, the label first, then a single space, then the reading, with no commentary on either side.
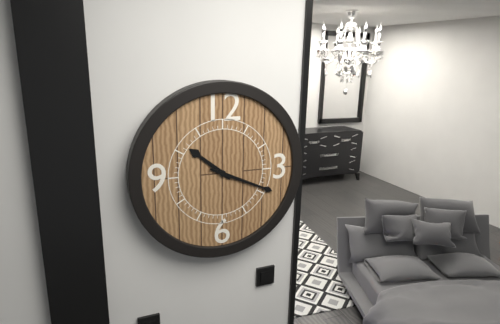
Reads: 10:19
